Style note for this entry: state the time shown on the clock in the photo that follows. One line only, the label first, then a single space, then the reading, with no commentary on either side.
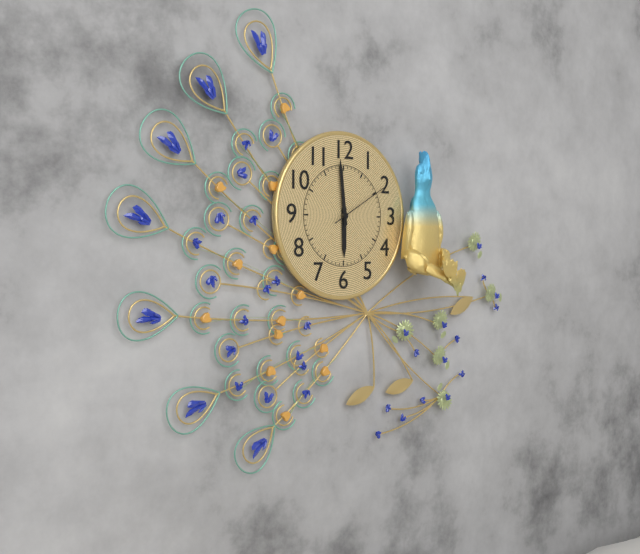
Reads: 5:59:10
